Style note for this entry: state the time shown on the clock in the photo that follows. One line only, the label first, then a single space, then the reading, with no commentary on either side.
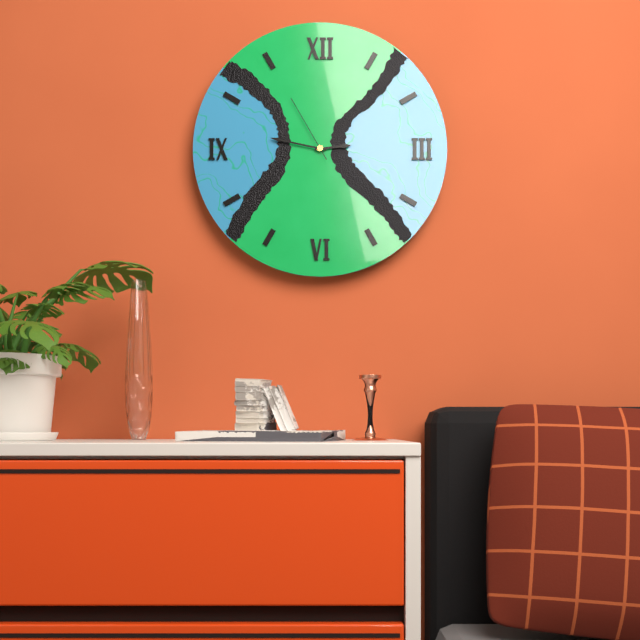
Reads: 2:47:55
